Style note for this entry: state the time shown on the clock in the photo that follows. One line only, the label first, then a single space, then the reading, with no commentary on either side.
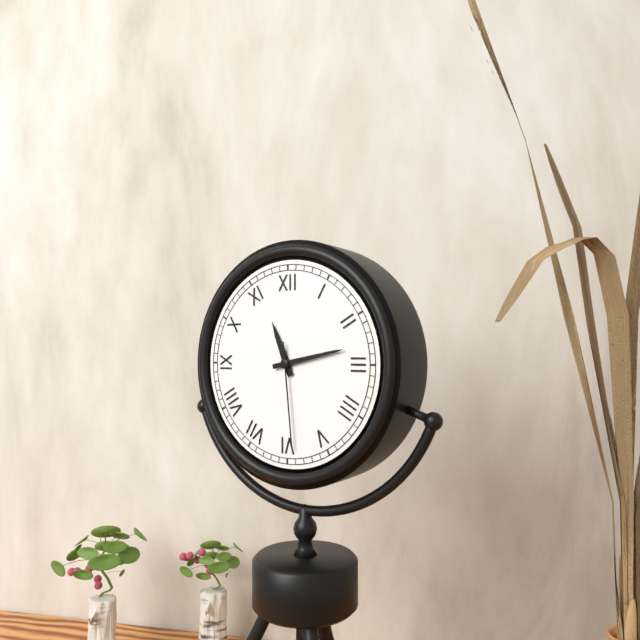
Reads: 11:13:29
